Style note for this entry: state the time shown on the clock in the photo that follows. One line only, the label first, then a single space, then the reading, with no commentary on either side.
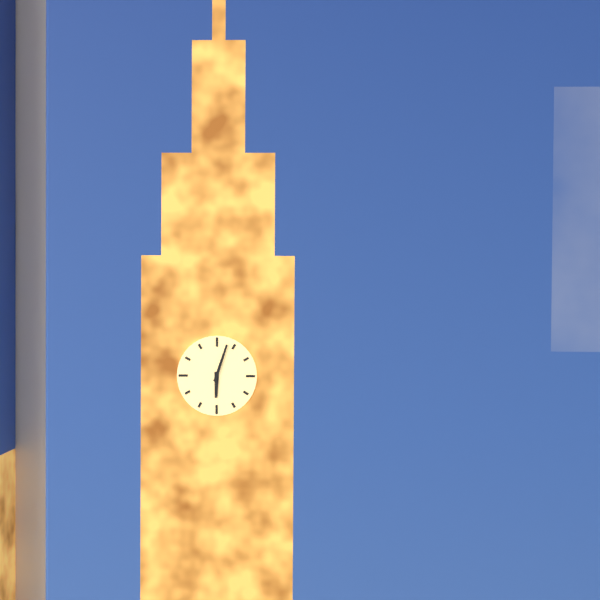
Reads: 6:03
